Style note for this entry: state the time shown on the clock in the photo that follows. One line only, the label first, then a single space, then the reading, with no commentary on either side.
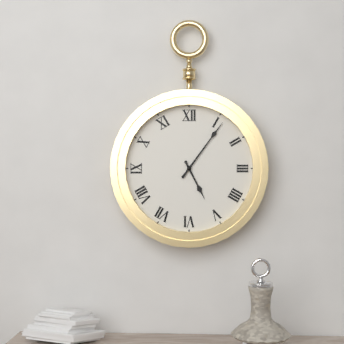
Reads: 5:06
